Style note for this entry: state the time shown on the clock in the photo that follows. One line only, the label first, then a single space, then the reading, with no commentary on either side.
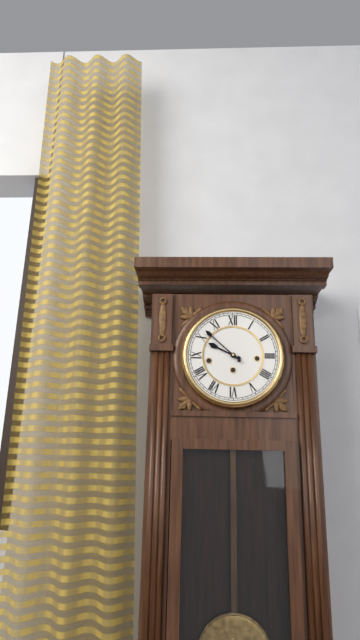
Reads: 9:52
